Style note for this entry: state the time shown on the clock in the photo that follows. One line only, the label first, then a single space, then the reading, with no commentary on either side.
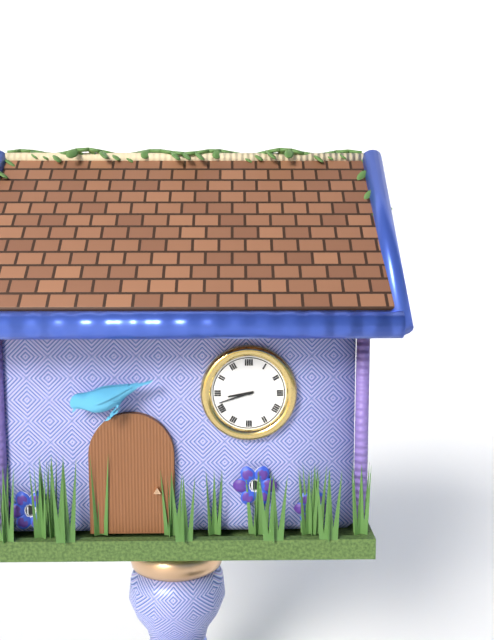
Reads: 8:42
